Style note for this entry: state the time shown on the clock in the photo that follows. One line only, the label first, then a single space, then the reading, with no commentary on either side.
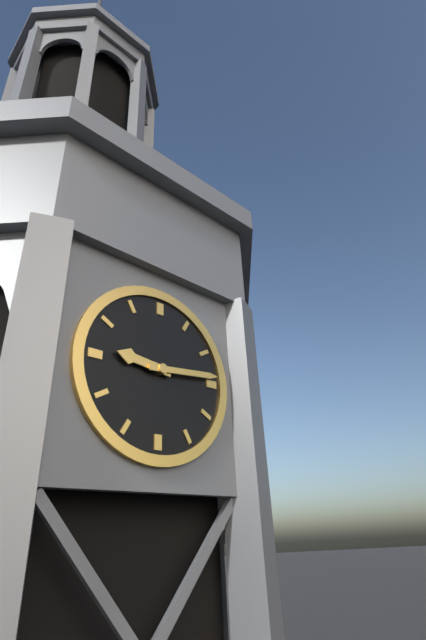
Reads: 9:14
